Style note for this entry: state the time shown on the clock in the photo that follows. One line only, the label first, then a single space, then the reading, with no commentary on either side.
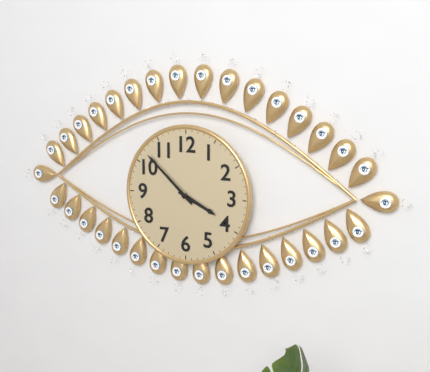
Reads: 3:52
